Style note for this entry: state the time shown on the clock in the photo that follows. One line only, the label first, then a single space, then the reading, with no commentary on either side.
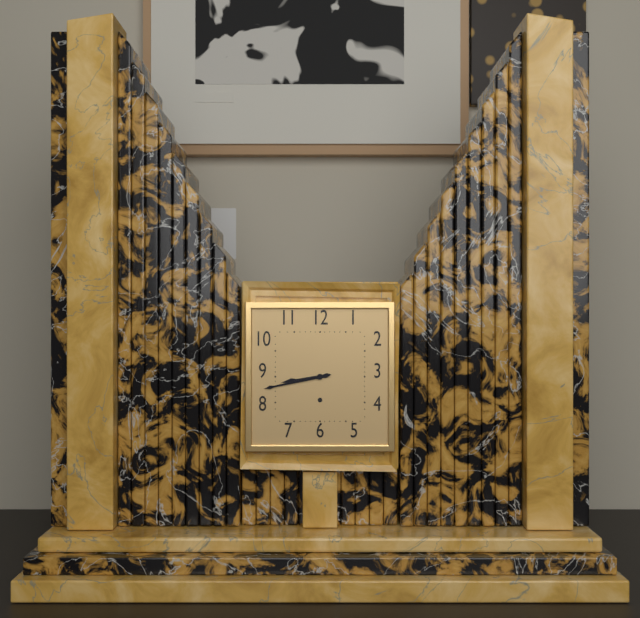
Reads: 8:43
